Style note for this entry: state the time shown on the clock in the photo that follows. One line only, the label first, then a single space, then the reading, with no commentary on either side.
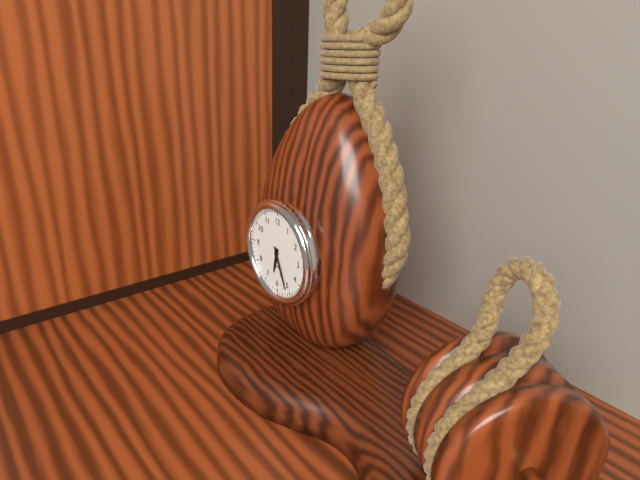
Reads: 6:26
